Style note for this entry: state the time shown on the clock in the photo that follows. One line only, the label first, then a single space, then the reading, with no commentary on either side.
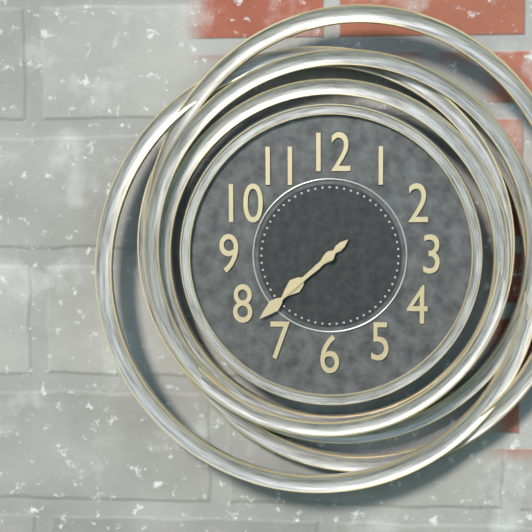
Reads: 7:38
